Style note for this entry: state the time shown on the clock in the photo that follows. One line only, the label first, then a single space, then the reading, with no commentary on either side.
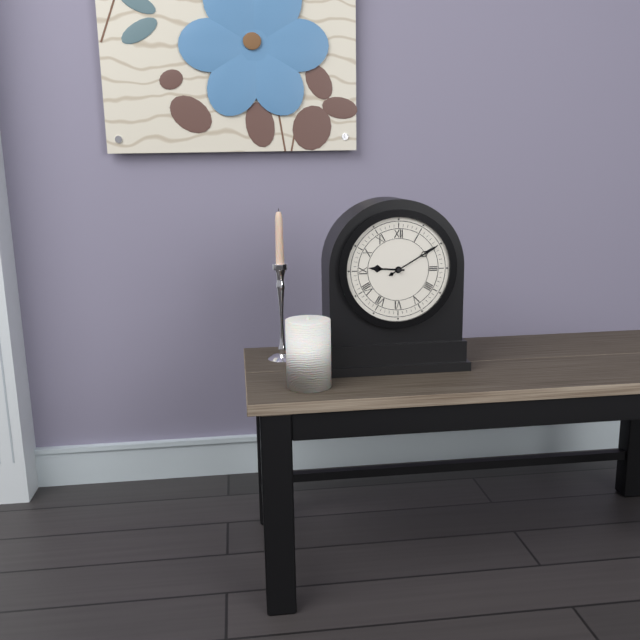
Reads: 9:10
